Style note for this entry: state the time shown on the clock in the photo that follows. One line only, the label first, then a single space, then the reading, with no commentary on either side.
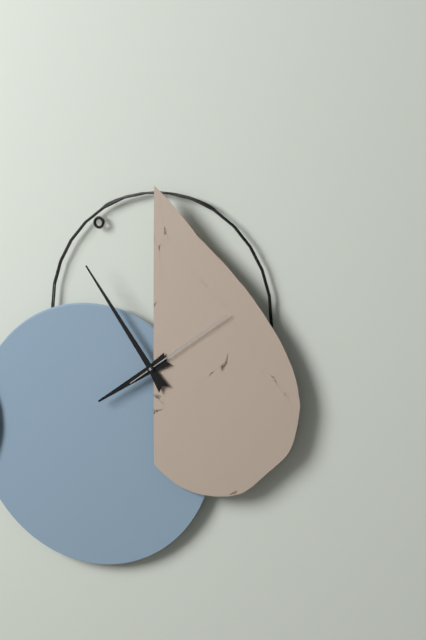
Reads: 7:54:09
